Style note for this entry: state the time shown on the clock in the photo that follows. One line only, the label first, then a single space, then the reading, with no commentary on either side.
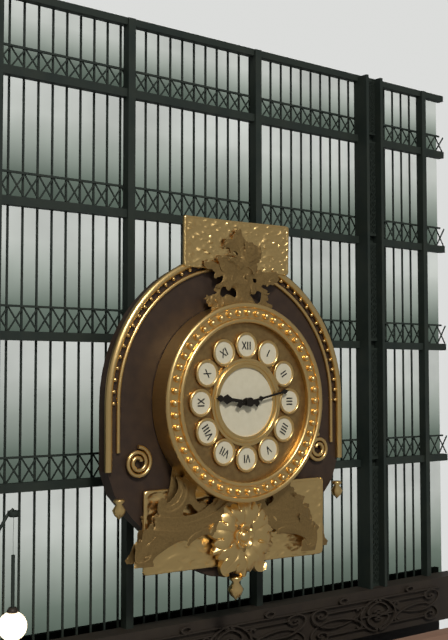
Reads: 9:13
